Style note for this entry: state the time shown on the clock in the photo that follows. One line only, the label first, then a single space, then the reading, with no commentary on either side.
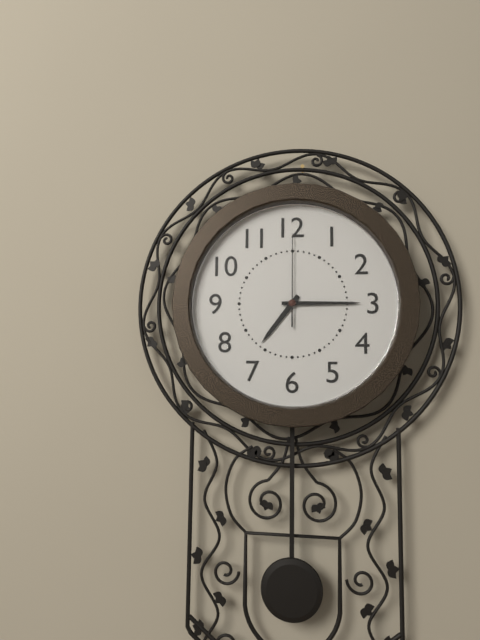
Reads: 7:15:00
